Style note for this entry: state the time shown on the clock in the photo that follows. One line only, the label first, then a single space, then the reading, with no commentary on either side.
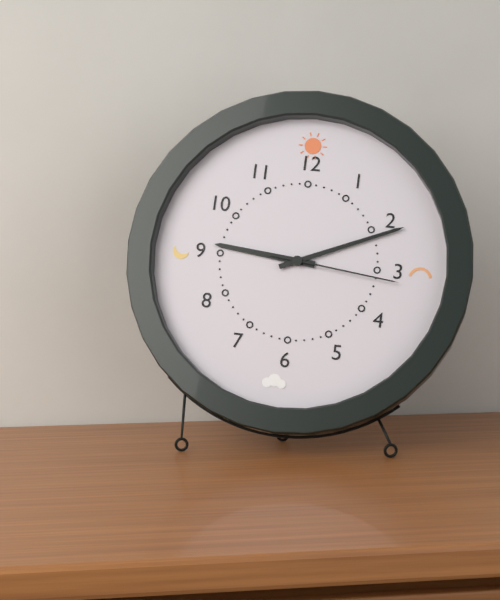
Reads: 9:11:16
